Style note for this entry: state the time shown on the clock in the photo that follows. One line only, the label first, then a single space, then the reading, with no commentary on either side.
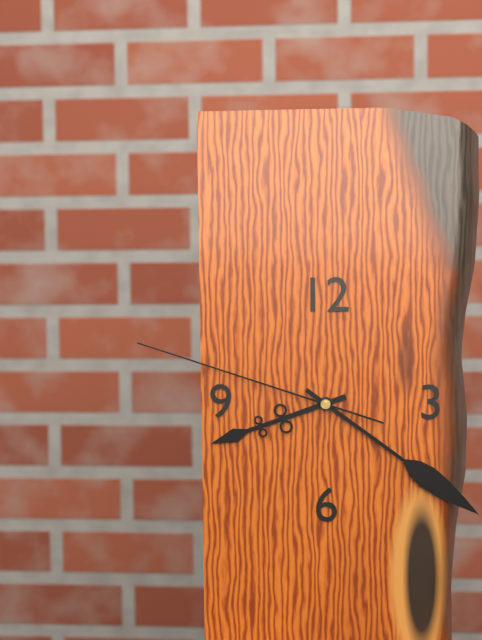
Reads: 8:21:48
